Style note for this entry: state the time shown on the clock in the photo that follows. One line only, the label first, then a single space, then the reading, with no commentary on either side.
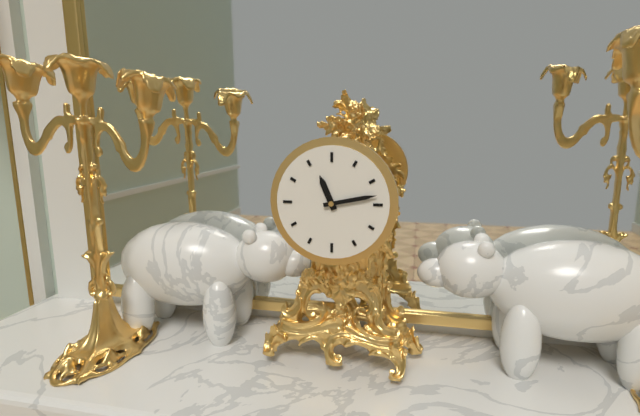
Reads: 11:13
